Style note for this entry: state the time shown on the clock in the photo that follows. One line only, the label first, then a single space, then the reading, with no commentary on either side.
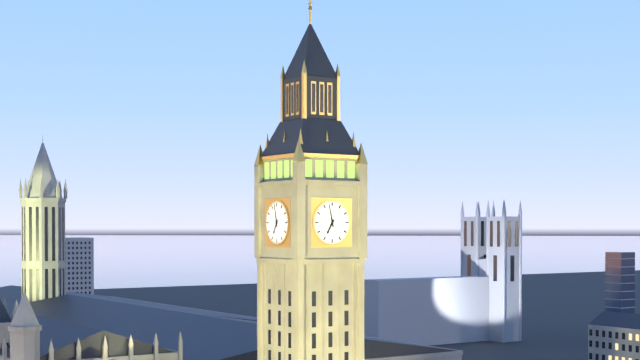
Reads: 6:58
